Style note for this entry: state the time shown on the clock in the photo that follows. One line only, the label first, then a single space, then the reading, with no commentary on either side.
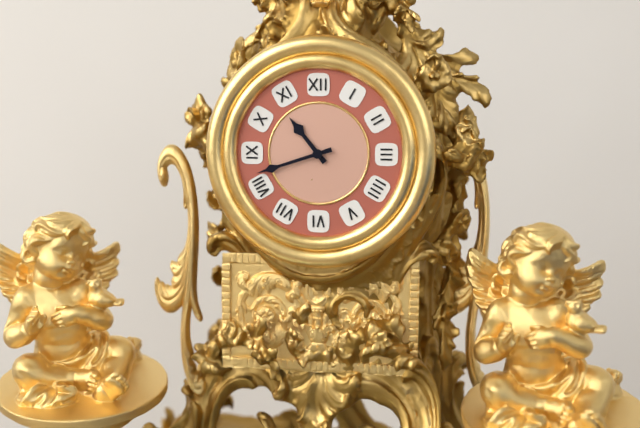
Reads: 10:42
